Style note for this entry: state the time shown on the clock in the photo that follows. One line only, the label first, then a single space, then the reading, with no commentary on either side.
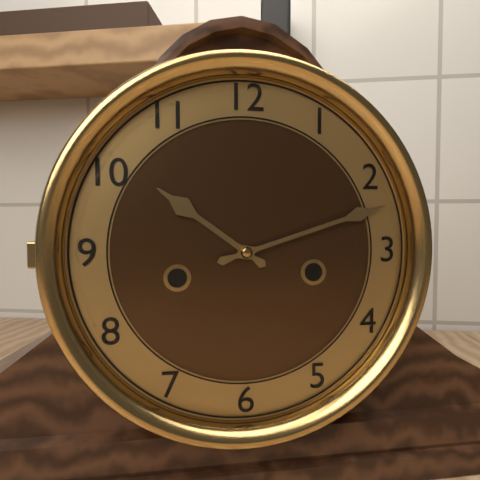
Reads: 10:12
